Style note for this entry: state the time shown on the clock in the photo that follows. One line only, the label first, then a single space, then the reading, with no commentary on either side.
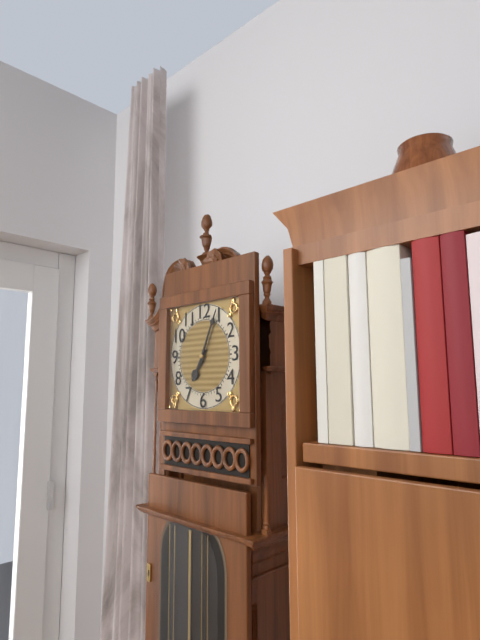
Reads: 7:04
